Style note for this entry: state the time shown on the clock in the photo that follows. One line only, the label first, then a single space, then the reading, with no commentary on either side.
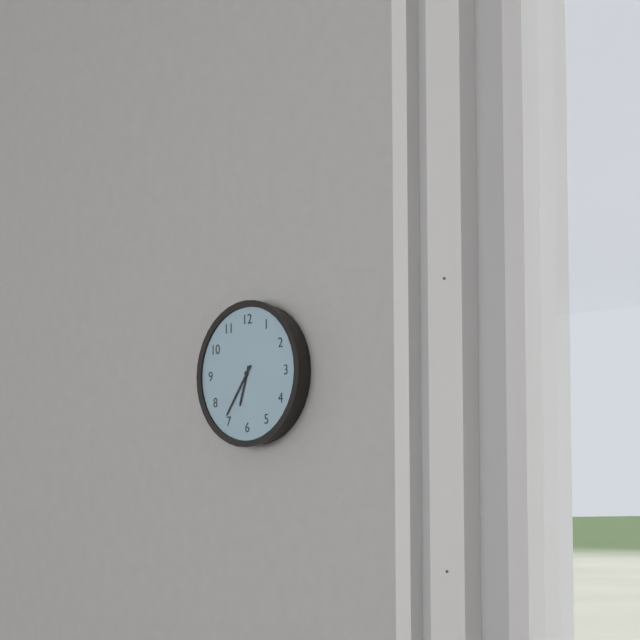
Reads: 6:36
